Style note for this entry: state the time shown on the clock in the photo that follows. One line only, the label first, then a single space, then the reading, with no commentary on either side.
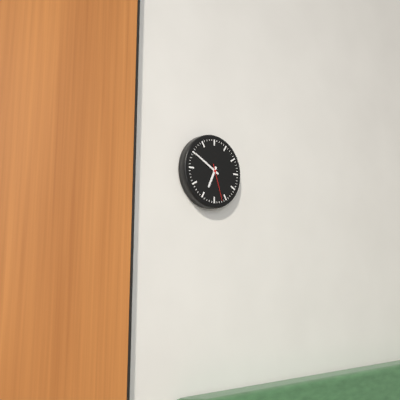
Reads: 6:50
